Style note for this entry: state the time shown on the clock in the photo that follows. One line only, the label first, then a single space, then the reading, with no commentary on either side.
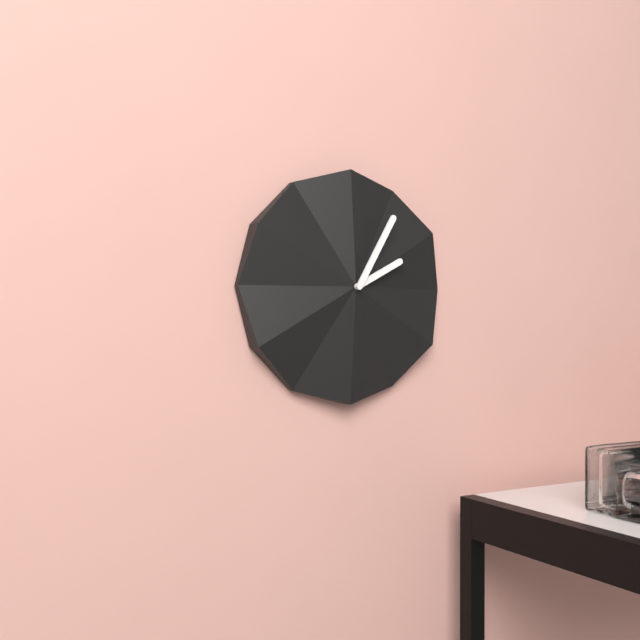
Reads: 2:05
